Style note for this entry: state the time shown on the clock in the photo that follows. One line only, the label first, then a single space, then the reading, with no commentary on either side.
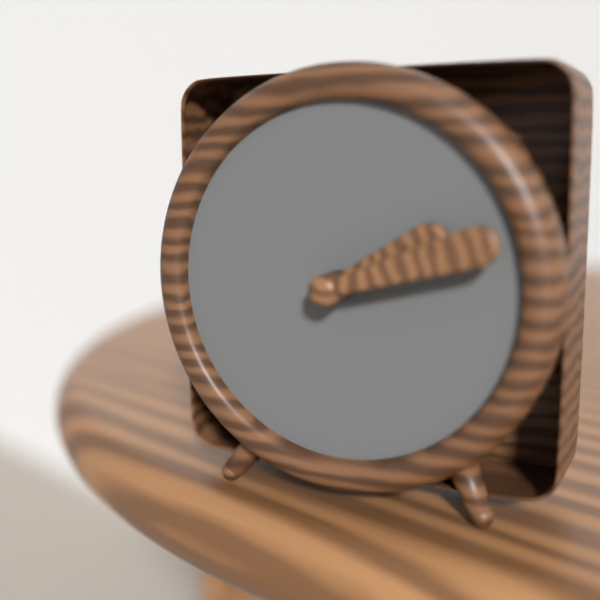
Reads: 2:12
